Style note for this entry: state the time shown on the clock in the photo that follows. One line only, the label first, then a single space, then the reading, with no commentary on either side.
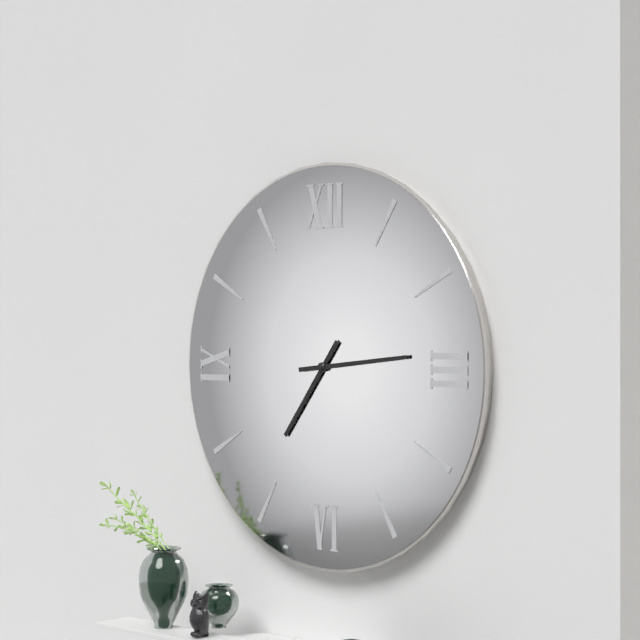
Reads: 7:14
